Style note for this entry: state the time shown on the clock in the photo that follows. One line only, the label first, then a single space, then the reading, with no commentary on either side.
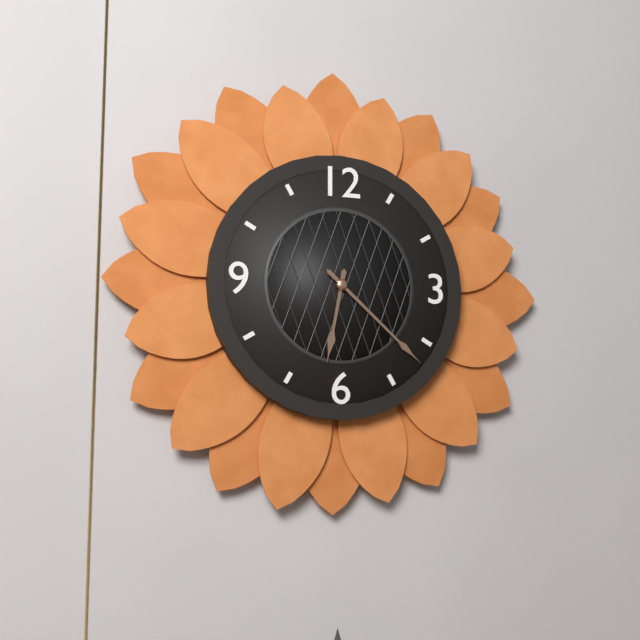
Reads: 6:22
